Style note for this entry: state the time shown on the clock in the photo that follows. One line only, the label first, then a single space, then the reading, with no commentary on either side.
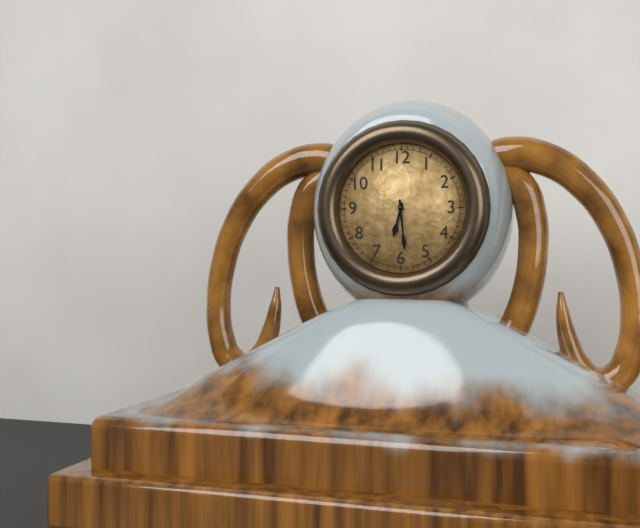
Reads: 6:29
